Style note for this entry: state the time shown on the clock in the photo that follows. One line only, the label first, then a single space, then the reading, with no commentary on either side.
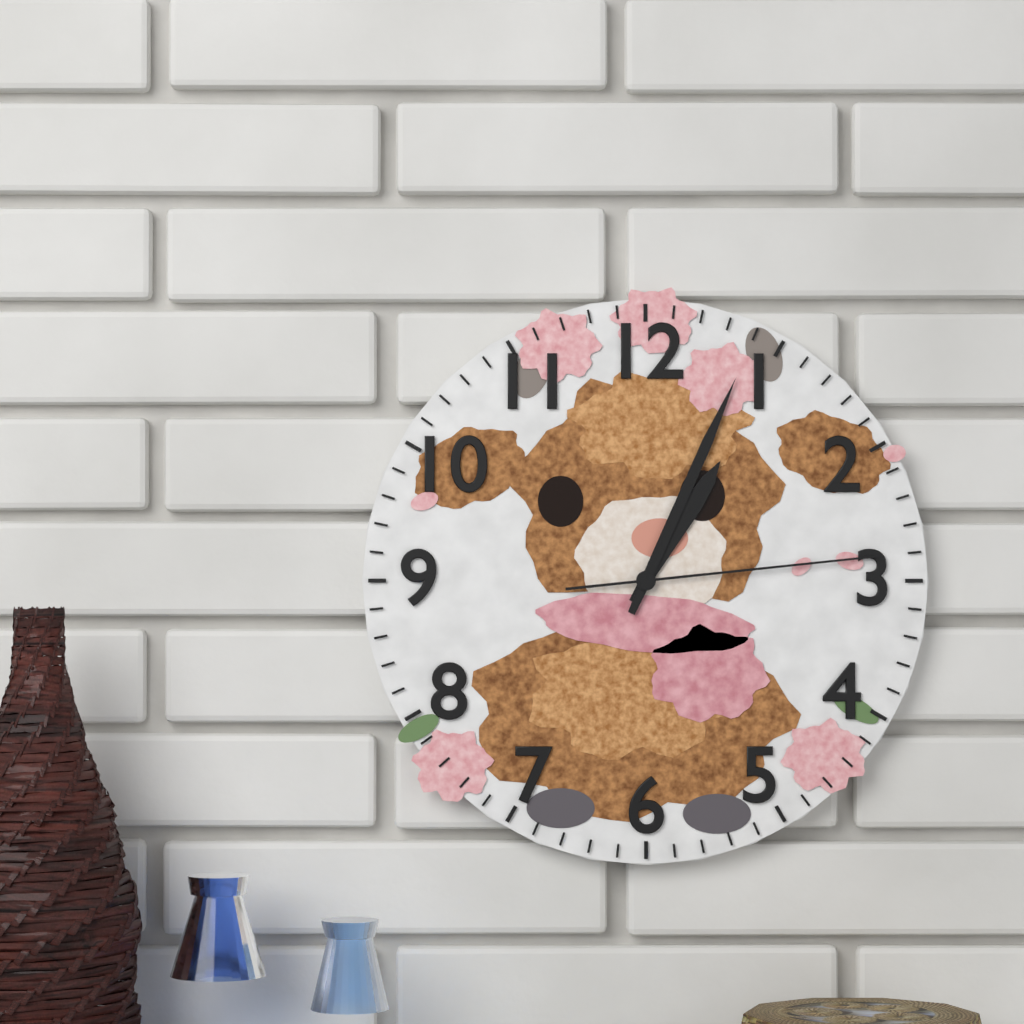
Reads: 1:04:14
